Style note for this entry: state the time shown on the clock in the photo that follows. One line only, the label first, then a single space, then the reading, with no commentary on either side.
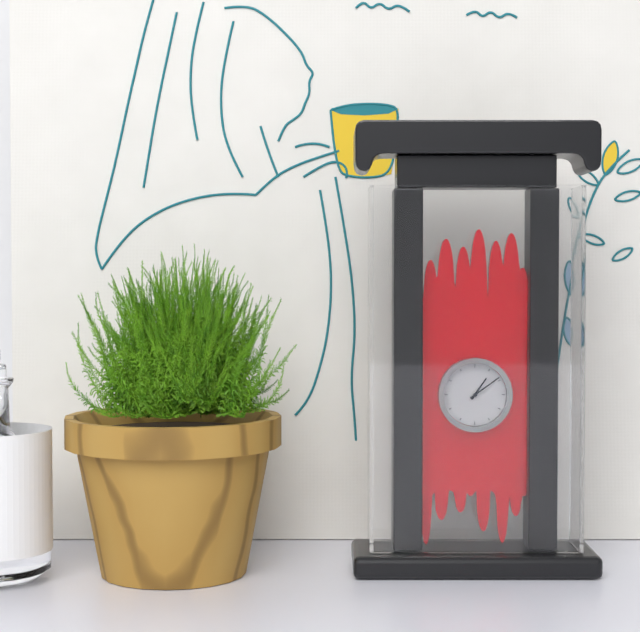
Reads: 1:09
